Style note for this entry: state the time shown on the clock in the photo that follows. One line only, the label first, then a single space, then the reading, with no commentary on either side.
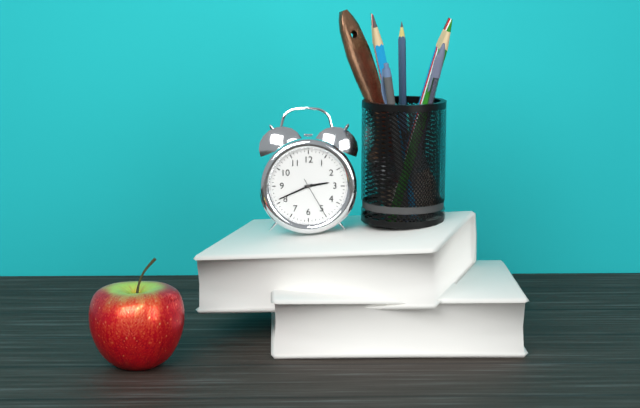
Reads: 2:41
